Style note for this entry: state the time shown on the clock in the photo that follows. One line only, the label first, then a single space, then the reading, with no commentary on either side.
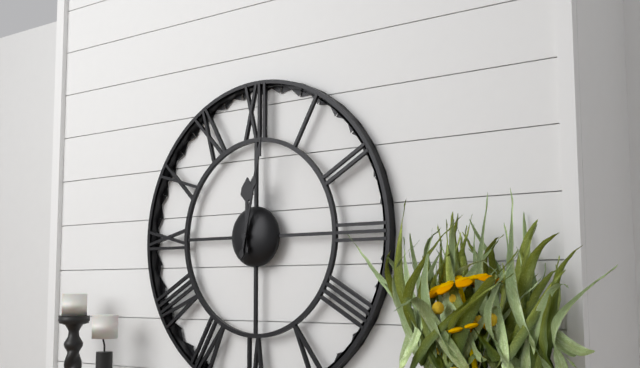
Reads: 12:02
